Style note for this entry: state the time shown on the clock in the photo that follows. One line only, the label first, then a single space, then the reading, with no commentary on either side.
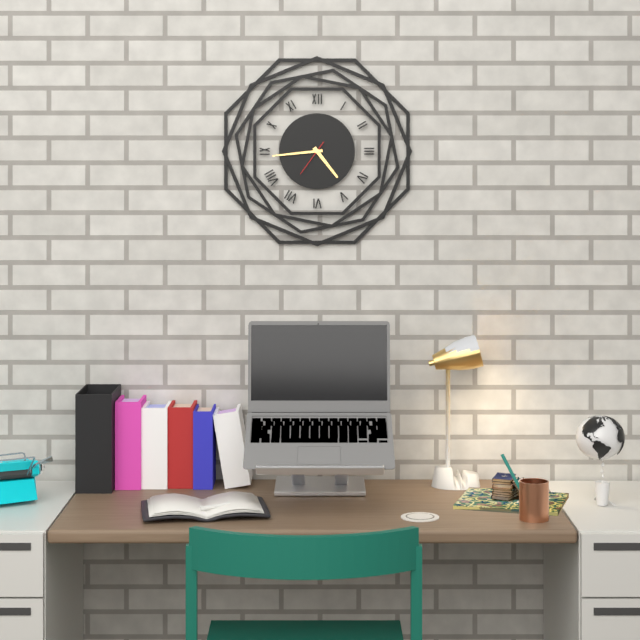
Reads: 4:44
